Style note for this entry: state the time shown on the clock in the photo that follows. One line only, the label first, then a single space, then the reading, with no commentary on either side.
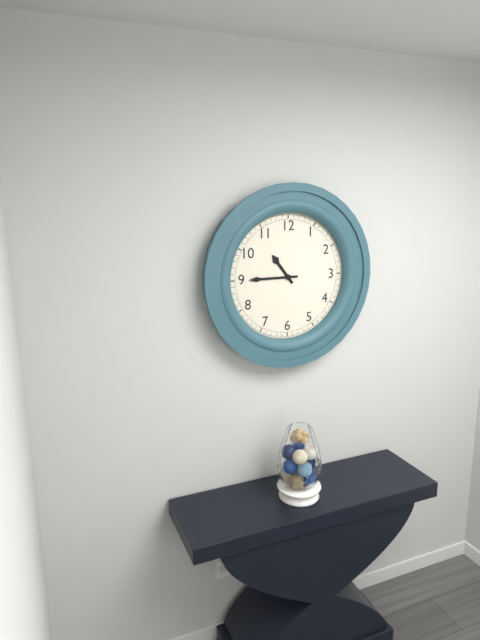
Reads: 10:45
